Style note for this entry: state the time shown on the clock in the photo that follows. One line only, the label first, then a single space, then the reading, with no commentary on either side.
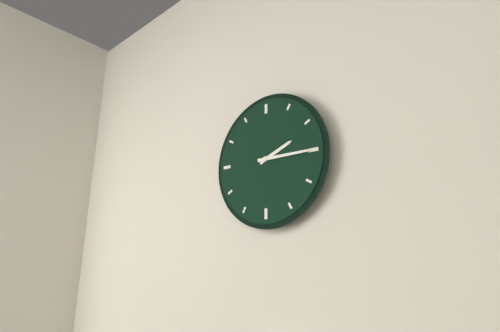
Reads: 2:15
